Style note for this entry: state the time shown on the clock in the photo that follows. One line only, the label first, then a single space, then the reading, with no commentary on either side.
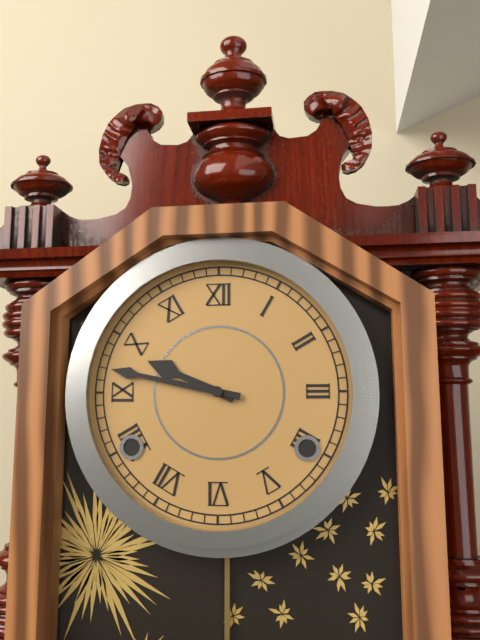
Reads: 9:47
